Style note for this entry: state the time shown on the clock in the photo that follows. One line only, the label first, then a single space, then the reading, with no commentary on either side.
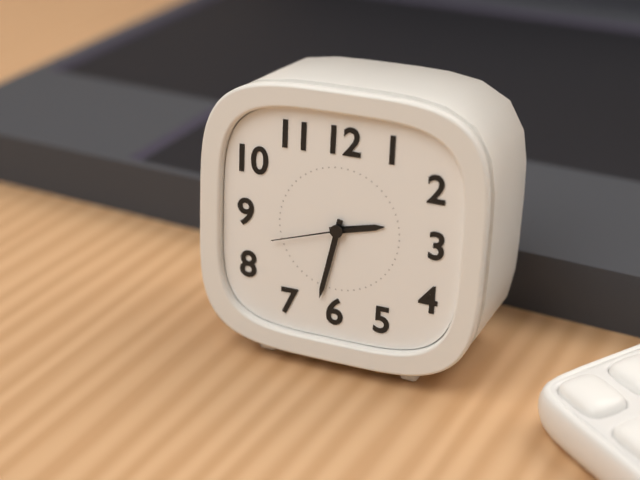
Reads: 2:32:42
